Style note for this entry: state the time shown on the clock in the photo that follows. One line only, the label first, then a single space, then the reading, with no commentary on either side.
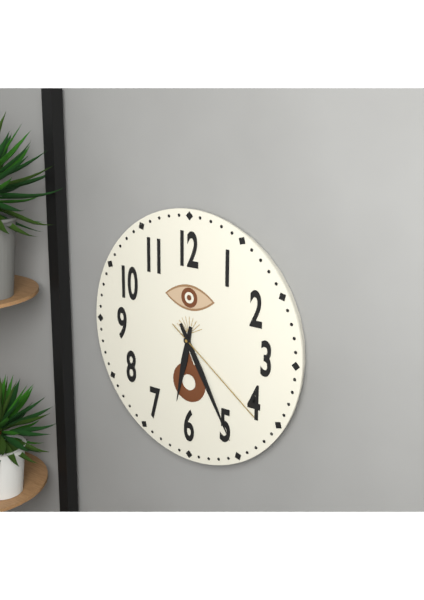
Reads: 6:25:21
